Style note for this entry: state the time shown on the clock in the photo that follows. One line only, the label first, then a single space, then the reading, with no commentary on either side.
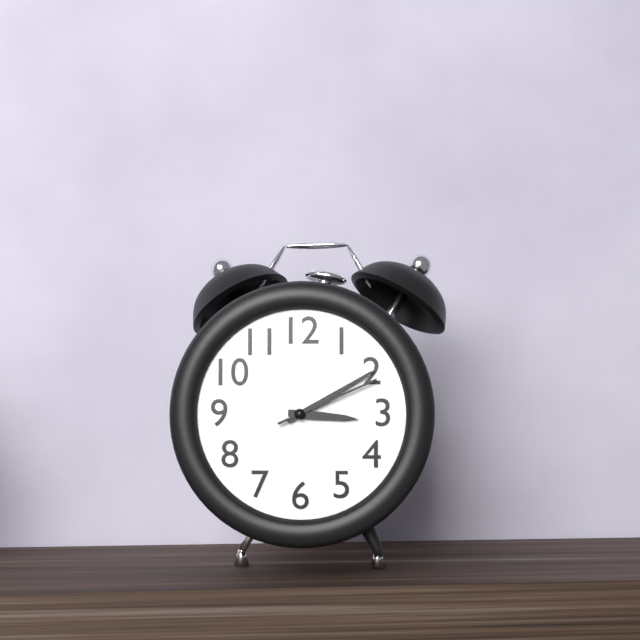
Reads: 3:10:11
